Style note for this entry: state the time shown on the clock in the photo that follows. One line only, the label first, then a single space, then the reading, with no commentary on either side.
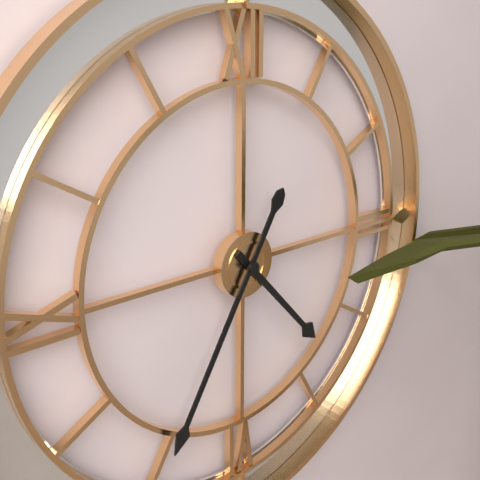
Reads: 4:35
